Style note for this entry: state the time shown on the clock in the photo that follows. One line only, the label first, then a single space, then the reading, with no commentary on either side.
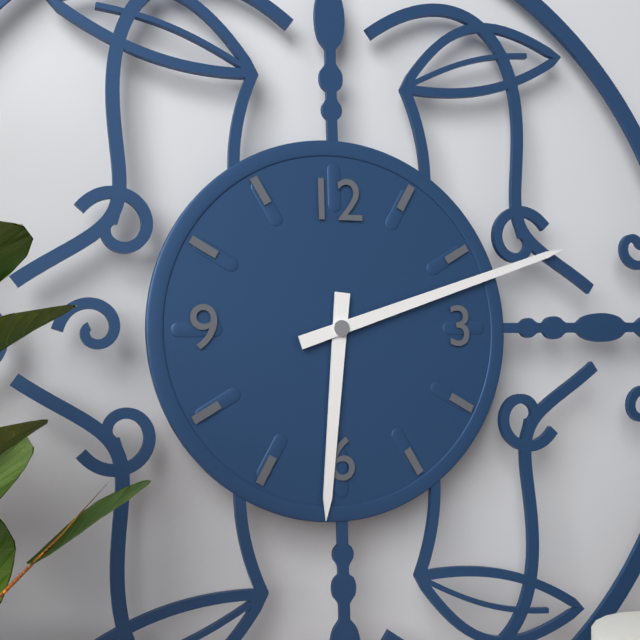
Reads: 6:12
